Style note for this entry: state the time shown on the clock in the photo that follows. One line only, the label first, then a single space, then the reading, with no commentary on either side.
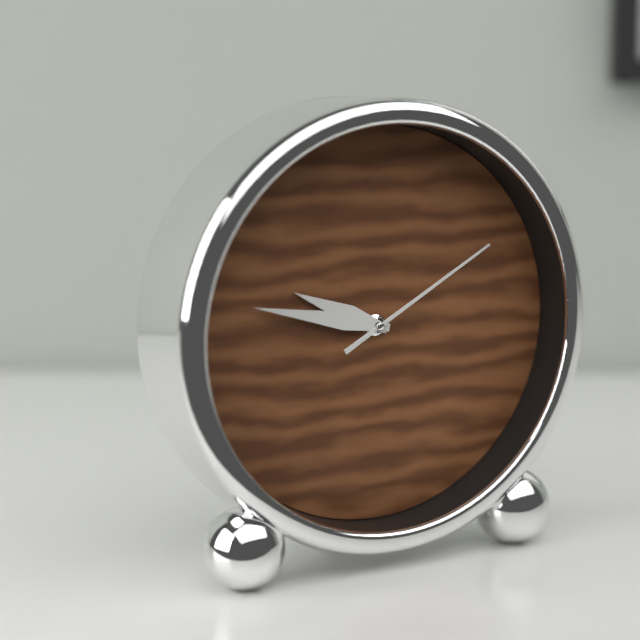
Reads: 9:47:10
